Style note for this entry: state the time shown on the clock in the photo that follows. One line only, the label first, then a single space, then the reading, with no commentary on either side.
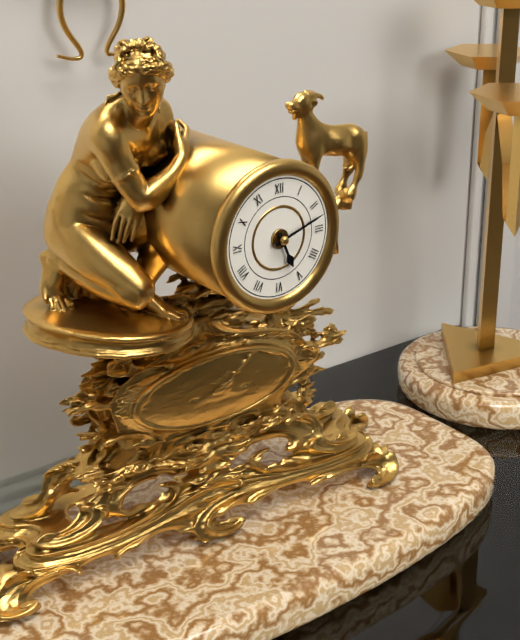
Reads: 5:12
